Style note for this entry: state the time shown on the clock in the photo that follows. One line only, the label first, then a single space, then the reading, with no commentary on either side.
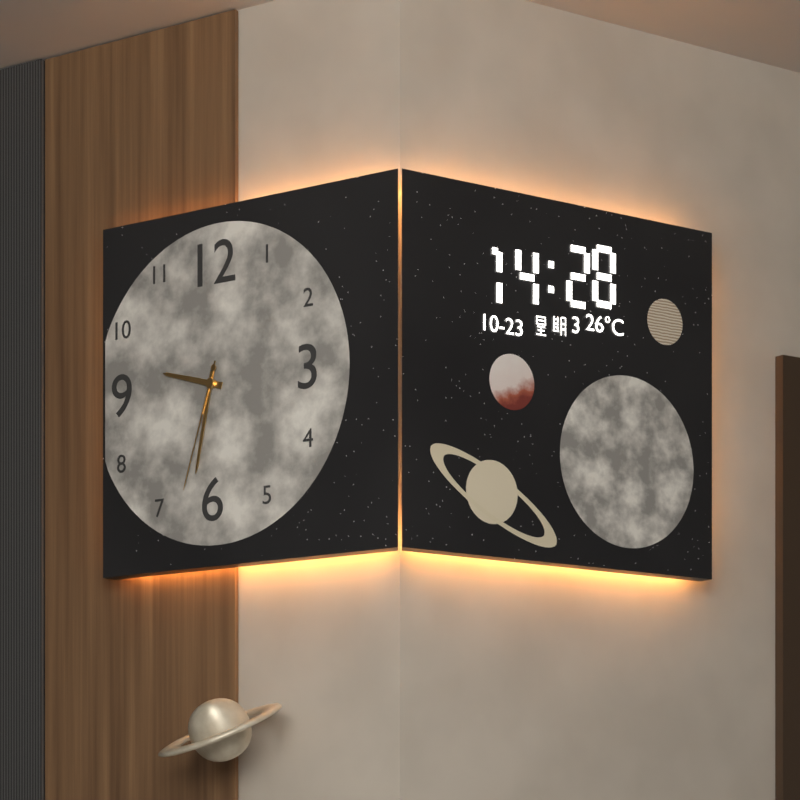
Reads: 9:32:33
